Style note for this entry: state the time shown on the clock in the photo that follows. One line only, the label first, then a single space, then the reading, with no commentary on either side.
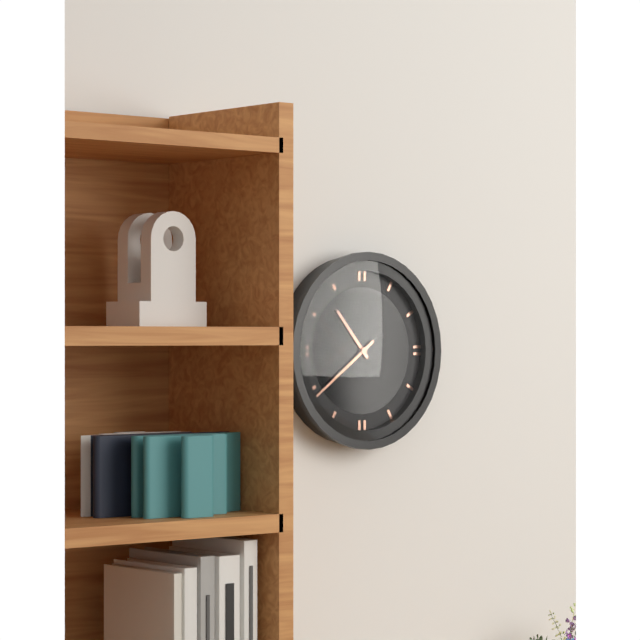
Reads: 10:39
